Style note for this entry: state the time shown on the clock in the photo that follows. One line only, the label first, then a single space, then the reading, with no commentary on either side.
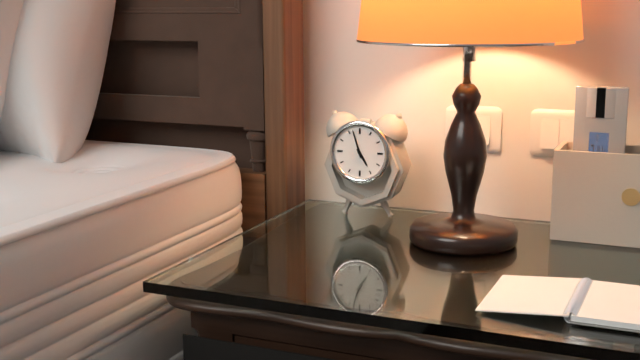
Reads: 4:57
